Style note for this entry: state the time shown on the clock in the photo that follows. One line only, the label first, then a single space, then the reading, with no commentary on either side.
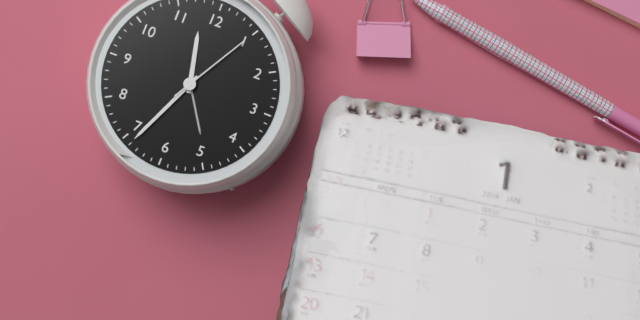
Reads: 11:34:05
